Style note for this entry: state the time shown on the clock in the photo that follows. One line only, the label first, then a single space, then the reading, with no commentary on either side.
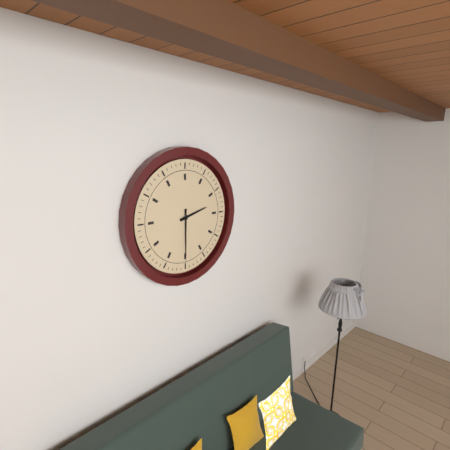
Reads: 2:30
